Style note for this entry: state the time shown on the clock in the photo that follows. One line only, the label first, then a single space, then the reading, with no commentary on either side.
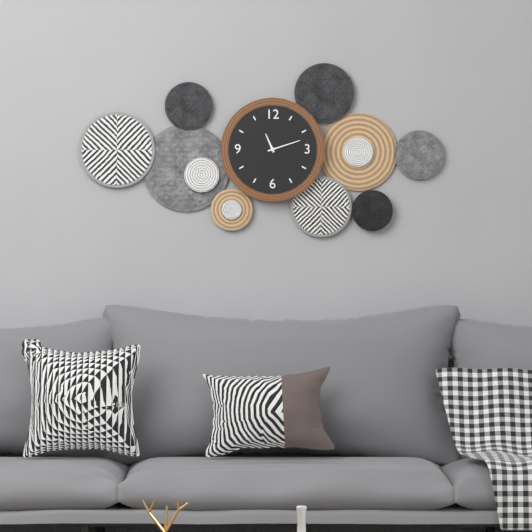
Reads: 11:12
